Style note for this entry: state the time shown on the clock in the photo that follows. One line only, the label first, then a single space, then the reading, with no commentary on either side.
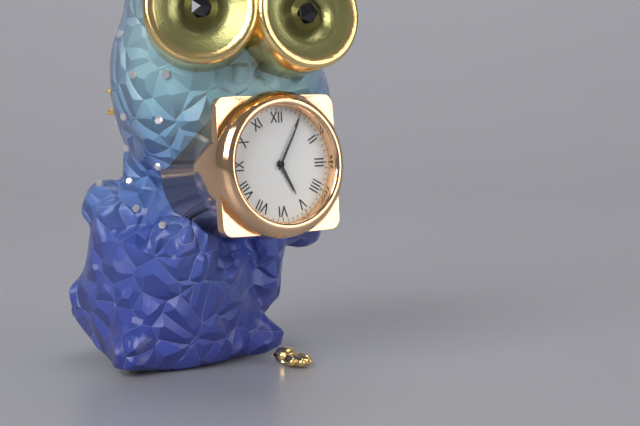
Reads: 5:05
